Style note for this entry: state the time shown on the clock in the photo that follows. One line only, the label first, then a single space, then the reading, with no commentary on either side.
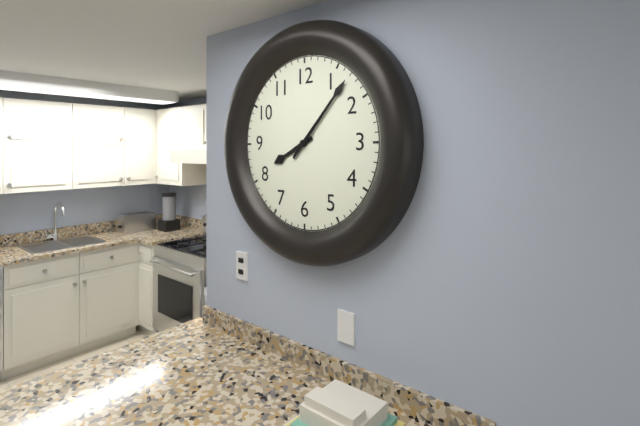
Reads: 8:07
